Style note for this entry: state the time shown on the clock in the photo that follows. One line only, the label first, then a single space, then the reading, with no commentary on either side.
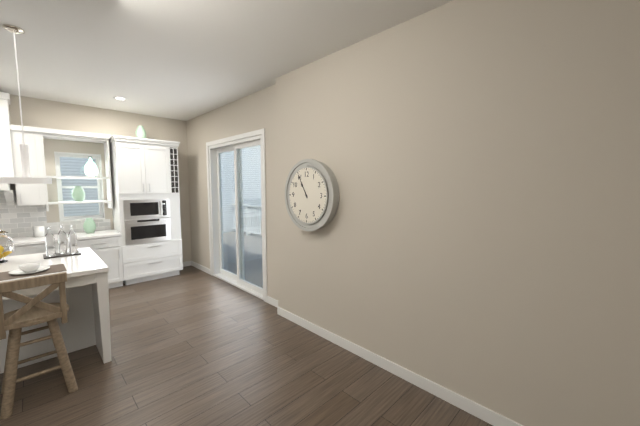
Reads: 10:55
